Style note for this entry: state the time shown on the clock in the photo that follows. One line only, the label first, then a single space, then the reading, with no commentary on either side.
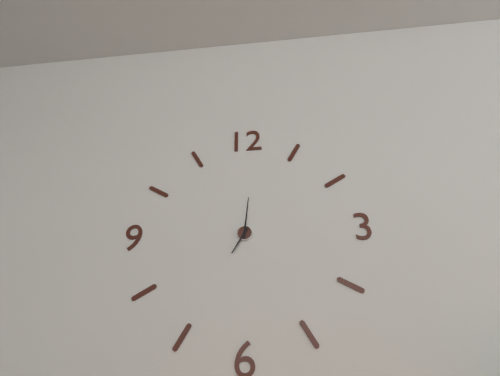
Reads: 7:01
